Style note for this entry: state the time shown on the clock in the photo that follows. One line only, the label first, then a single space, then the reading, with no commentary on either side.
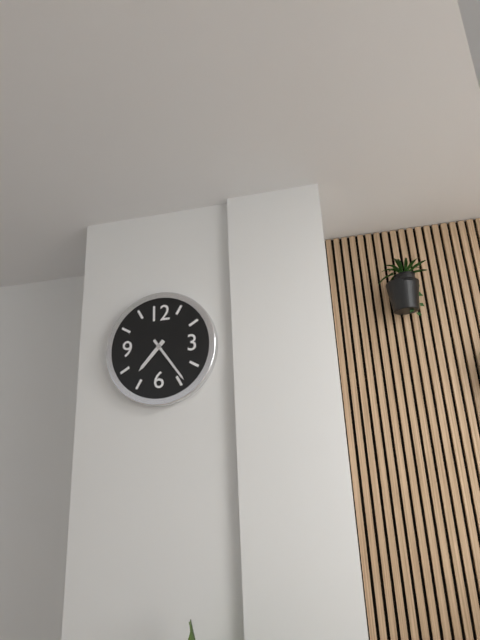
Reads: 7:24
